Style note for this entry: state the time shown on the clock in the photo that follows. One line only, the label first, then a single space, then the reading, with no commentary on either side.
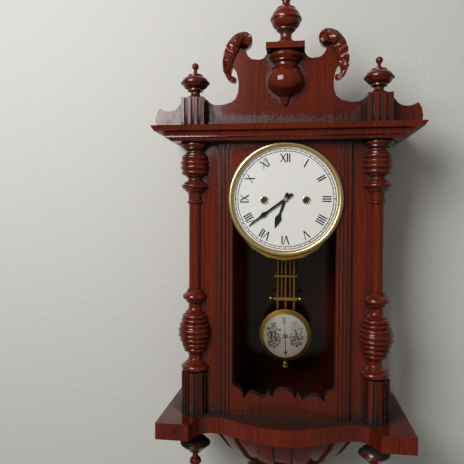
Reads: 6:39
